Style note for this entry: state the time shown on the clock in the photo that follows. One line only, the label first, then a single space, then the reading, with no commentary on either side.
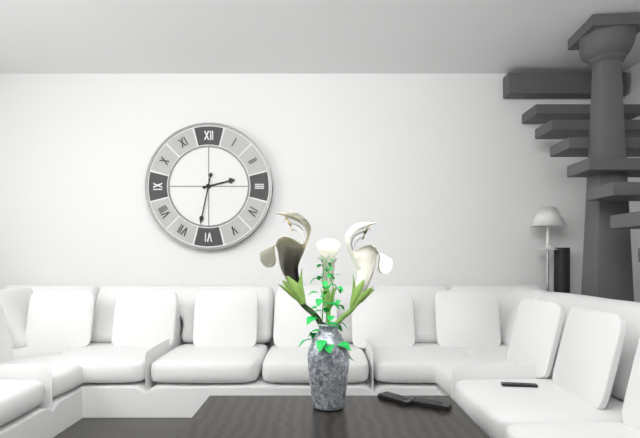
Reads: 2:32
